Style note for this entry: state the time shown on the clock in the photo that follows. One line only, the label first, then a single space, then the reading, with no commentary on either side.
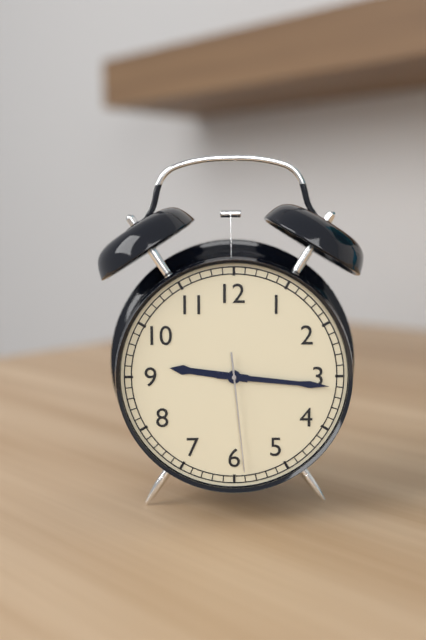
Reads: 9:16:29
